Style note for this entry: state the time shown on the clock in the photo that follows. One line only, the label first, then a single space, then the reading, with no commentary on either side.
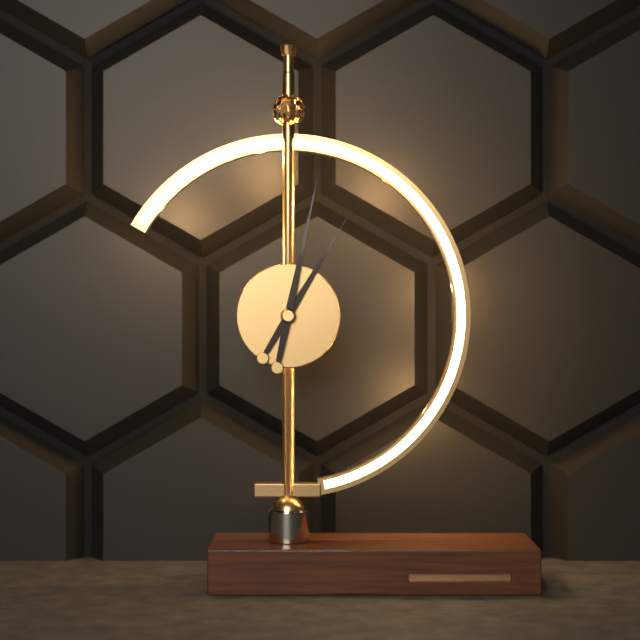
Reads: 1:02
